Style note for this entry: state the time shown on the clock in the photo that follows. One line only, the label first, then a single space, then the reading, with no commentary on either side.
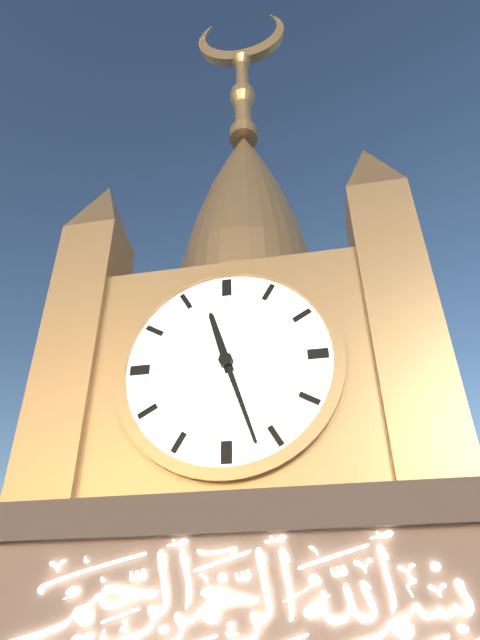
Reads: 11:27
